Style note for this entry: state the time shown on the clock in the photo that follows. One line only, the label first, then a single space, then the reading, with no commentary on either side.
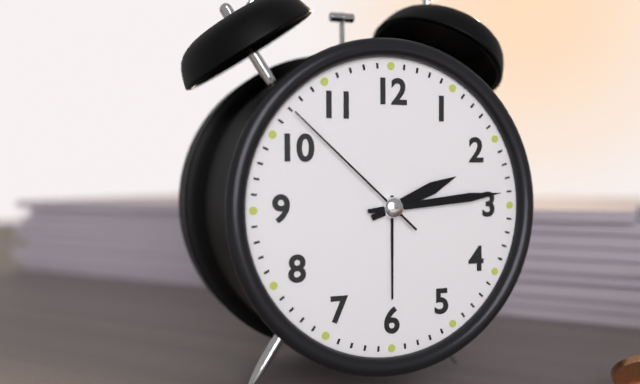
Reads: 2:14:52
